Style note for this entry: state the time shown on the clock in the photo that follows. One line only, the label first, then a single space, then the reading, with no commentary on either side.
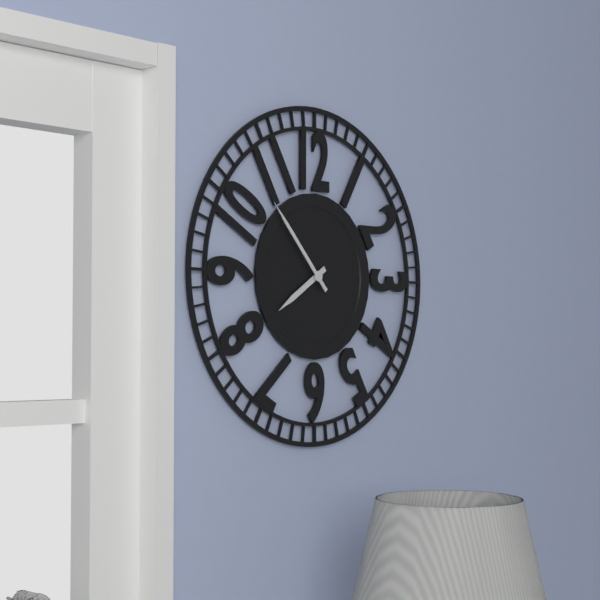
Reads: 7:53
